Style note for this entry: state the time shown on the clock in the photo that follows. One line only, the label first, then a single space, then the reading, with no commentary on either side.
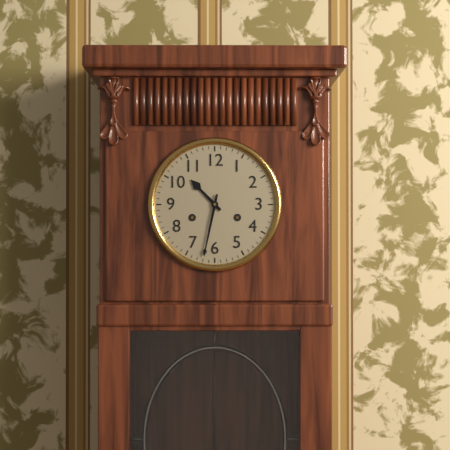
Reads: 10:32
